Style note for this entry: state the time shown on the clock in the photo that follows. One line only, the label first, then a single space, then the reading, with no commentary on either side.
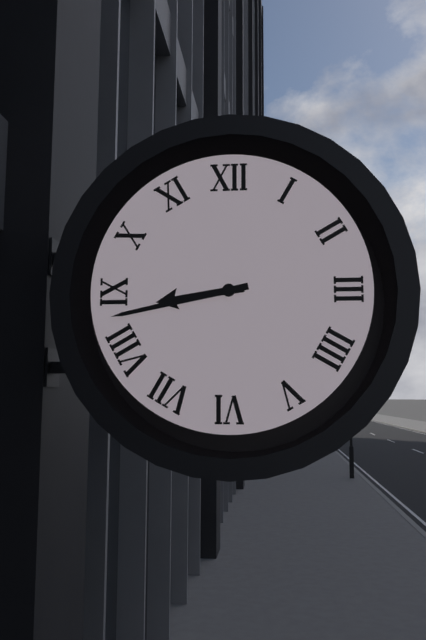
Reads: 8:43
